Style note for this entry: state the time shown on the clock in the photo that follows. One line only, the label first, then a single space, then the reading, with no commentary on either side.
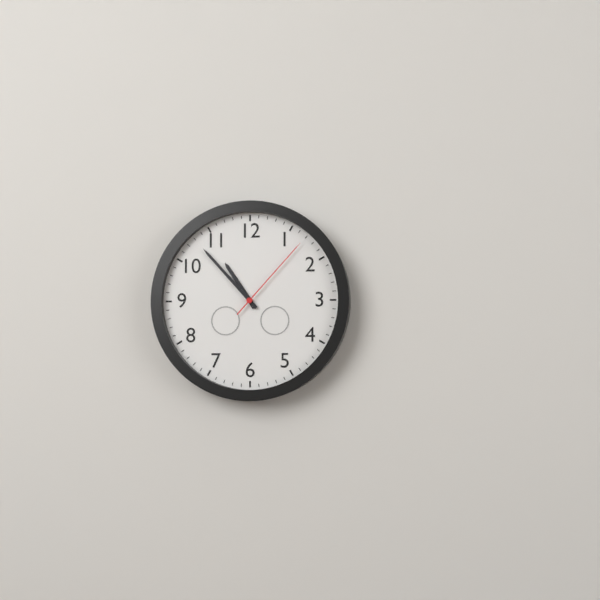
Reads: 10:53:07
